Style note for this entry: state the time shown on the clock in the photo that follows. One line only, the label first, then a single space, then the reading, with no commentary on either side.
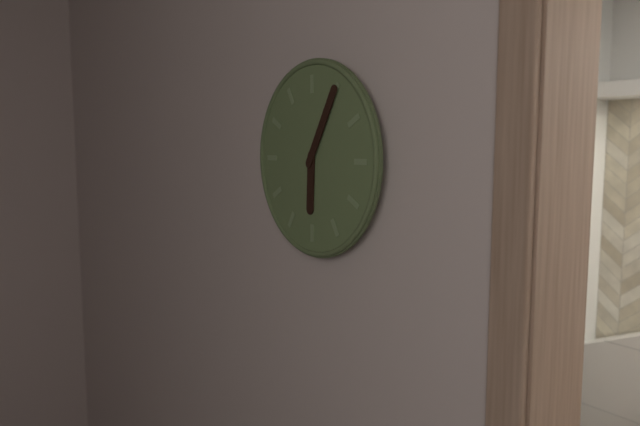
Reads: 6:05
